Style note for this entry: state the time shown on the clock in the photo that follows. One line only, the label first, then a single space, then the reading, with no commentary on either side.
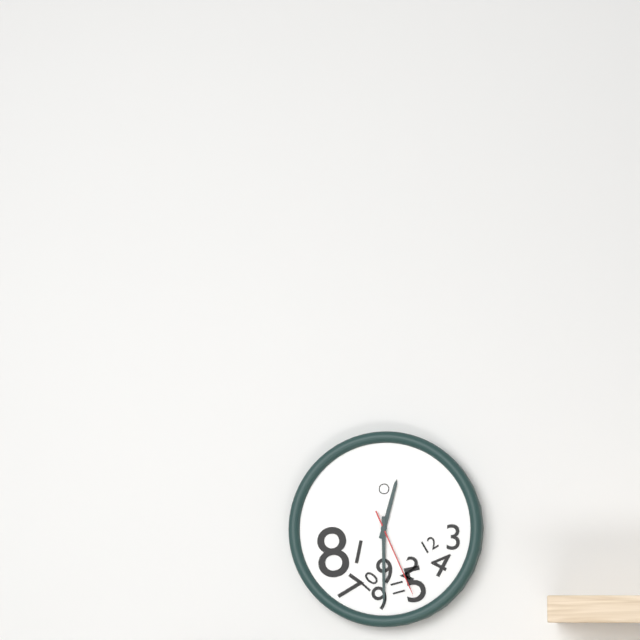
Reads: 12:30:26
